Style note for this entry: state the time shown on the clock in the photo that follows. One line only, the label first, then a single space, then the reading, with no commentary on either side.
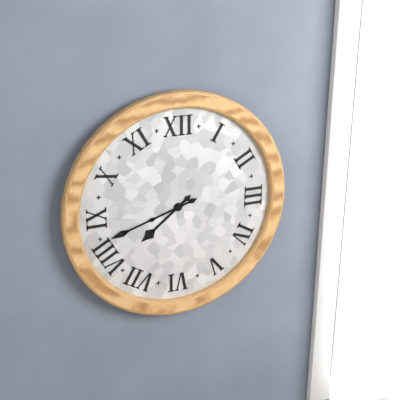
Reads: 7:42
